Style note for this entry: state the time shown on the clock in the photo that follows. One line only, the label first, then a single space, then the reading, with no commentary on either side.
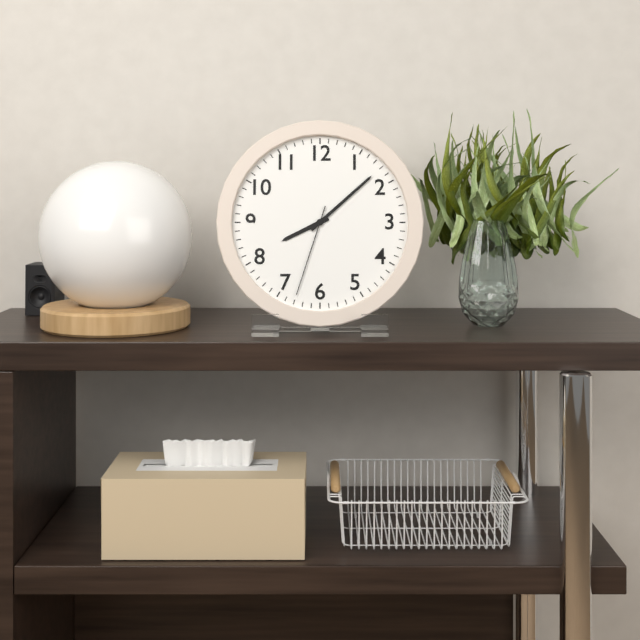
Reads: 8:08:33
